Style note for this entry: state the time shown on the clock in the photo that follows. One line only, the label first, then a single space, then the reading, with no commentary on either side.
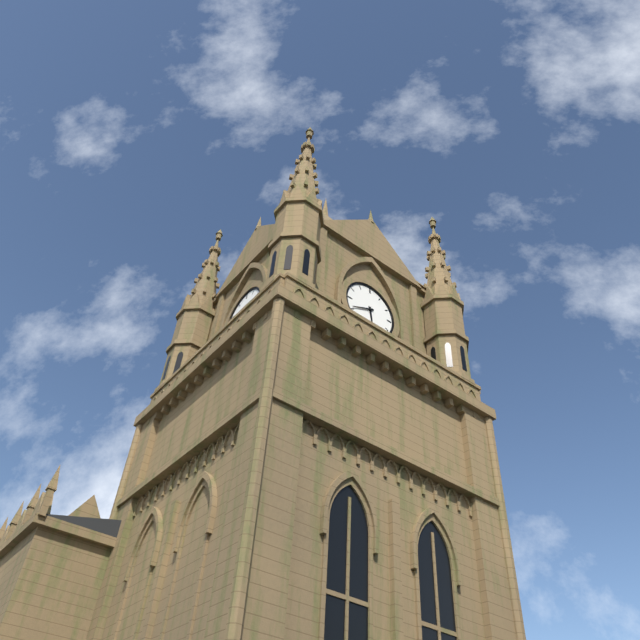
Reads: 5:41
